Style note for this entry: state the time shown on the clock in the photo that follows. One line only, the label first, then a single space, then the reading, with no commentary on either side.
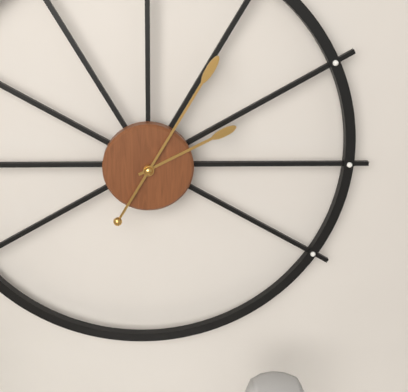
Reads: 2:05
